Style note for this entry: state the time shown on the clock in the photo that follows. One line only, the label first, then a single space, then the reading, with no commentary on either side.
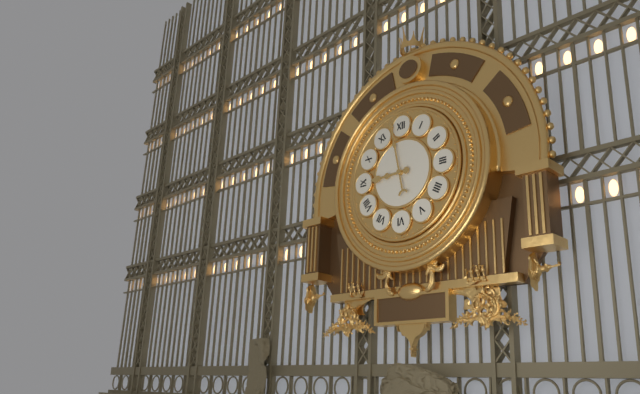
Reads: 8:58
